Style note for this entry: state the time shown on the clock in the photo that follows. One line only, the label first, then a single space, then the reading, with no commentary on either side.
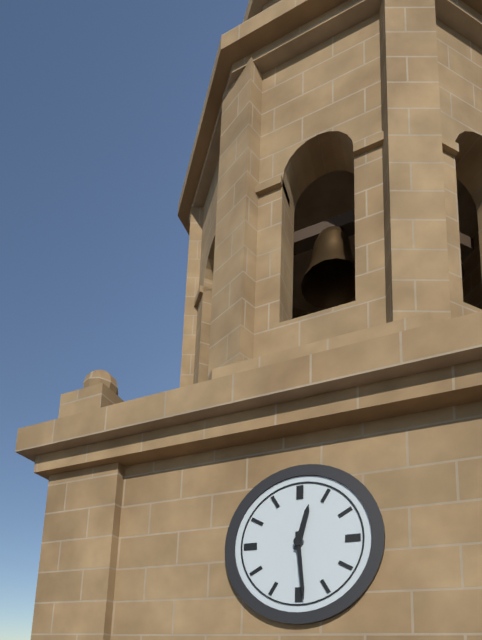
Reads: 12:29
